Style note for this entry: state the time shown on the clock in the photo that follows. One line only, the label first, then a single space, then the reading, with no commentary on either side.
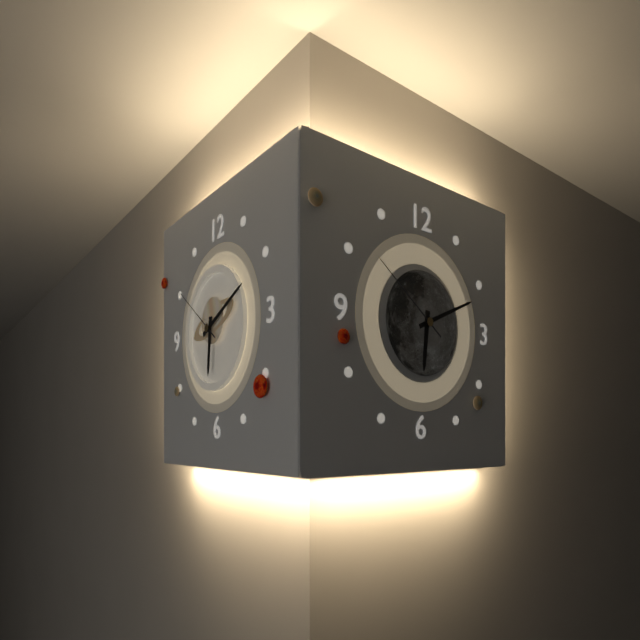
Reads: 6:11:51
